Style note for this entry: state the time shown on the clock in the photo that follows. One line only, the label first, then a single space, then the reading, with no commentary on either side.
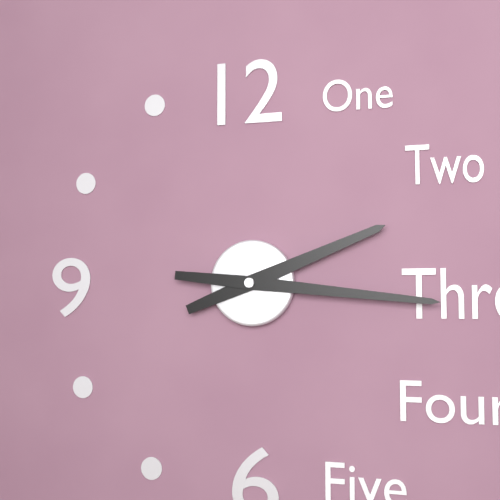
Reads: 2:16
